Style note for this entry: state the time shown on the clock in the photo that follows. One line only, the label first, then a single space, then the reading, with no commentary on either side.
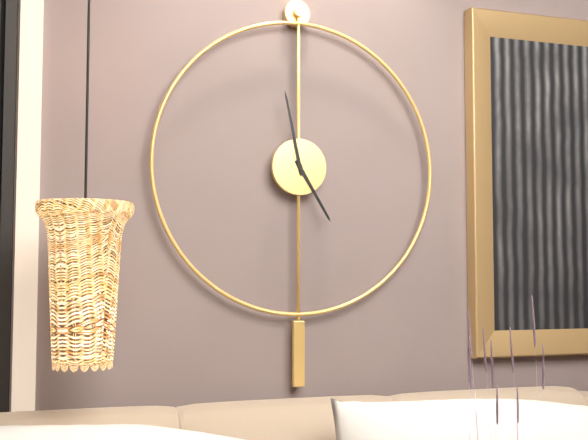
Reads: 4:58
